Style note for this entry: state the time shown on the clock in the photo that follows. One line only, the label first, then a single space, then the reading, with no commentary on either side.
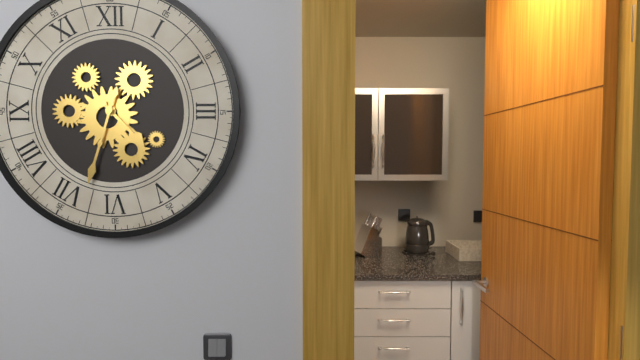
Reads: 4:33
